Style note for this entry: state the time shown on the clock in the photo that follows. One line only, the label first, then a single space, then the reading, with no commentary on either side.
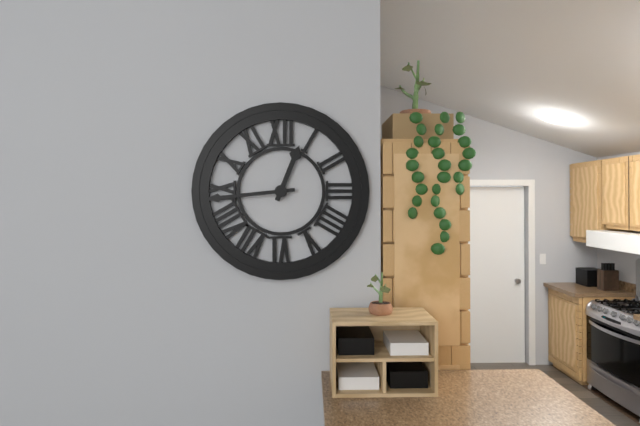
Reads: 12:44
